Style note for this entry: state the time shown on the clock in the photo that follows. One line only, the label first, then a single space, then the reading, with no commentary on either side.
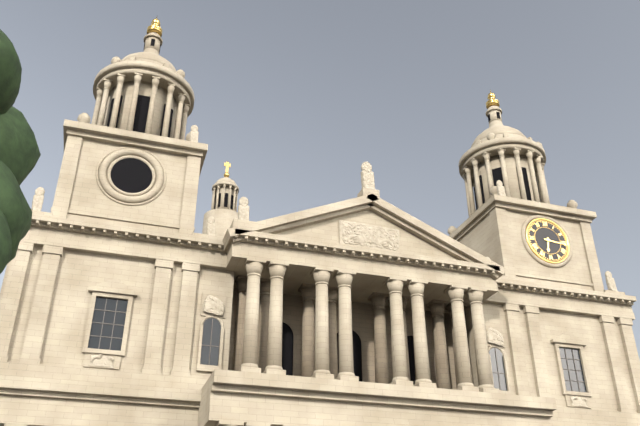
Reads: 6:16
